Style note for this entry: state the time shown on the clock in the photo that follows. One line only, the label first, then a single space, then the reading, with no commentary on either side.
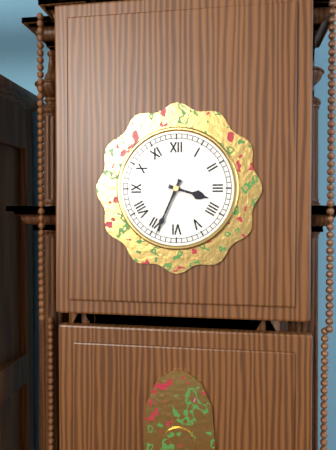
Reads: 3:34
